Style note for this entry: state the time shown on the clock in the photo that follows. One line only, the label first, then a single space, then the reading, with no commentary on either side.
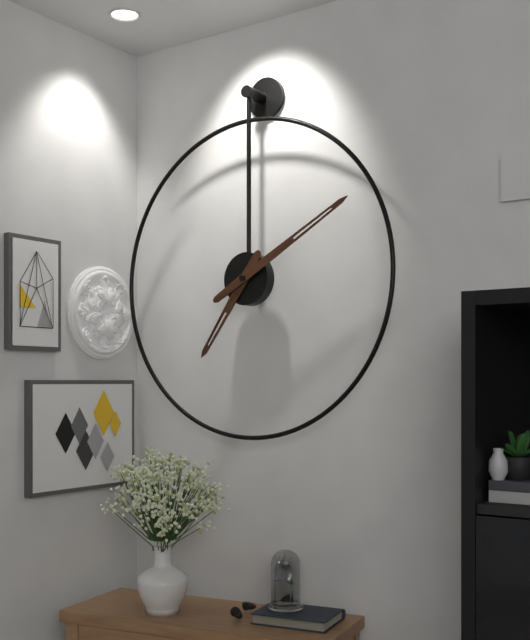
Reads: 7:10
